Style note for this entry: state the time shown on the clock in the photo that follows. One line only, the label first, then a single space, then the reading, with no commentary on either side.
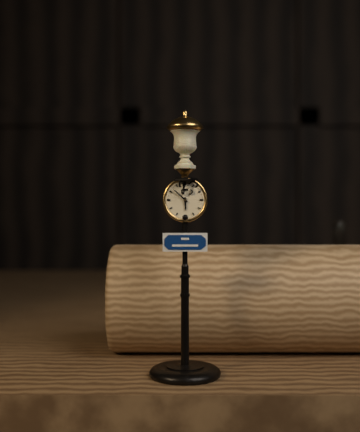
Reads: 5:52
